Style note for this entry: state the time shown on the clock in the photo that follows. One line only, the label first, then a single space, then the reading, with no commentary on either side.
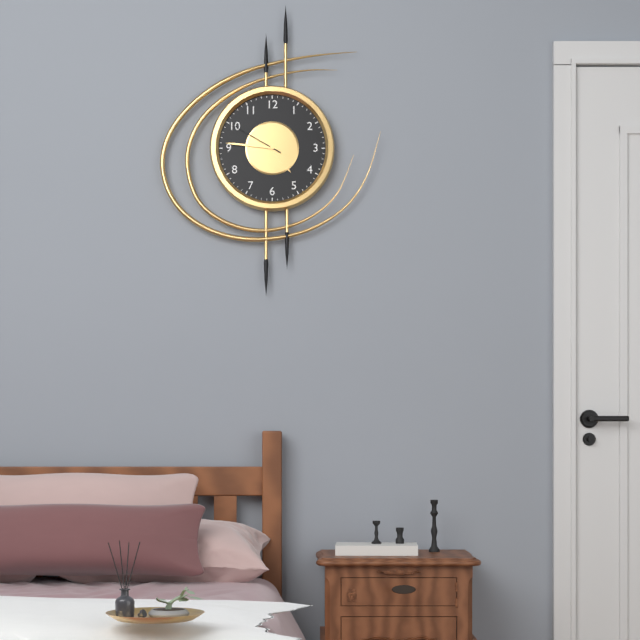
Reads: 4:46:50
